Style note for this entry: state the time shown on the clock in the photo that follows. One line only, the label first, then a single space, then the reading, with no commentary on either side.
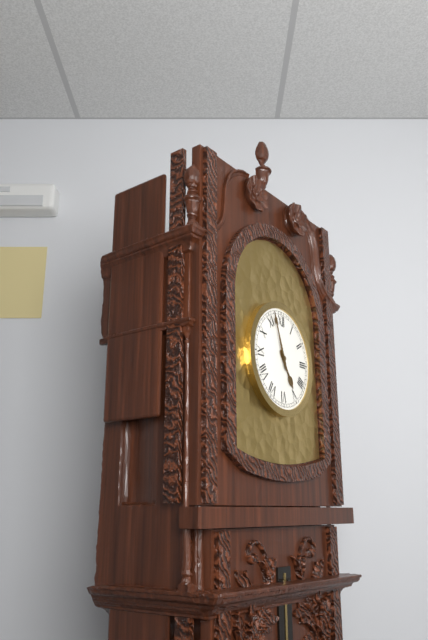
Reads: 4:57
